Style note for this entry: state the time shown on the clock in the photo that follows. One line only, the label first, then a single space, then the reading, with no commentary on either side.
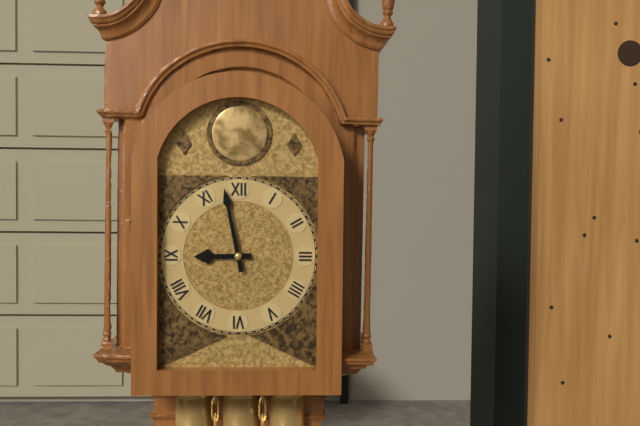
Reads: 8:58
